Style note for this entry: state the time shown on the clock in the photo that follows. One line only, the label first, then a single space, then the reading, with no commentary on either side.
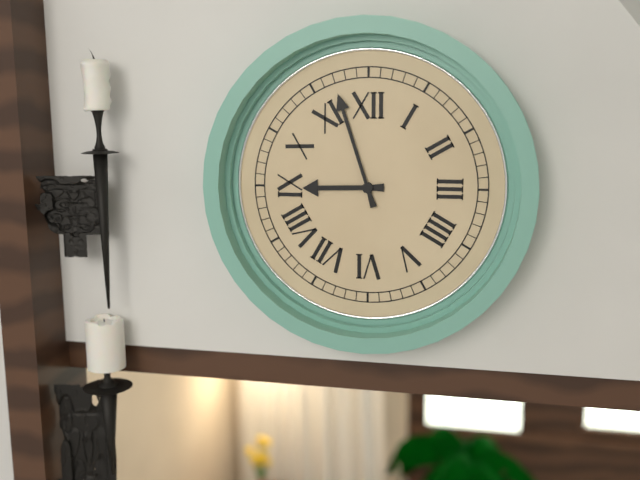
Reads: 8:57
